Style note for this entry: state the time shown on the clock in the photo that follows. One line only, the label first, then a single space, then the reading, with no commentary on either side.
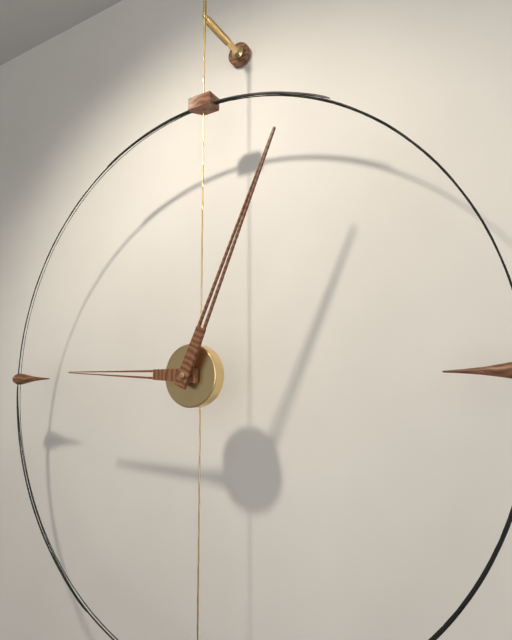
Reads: 9:04
